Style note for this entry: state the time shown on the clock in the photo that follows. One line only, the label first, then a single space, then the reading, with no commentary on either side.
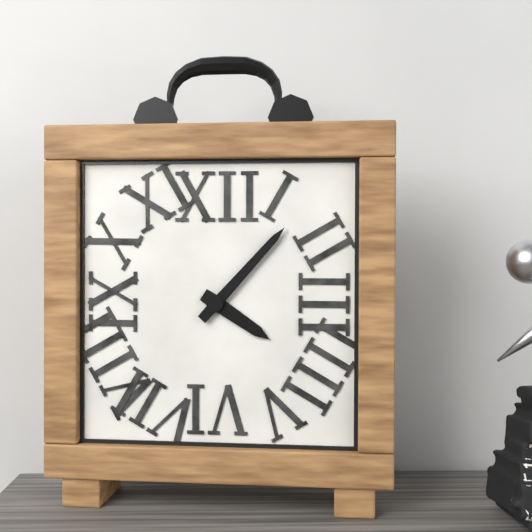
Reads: 4:07
